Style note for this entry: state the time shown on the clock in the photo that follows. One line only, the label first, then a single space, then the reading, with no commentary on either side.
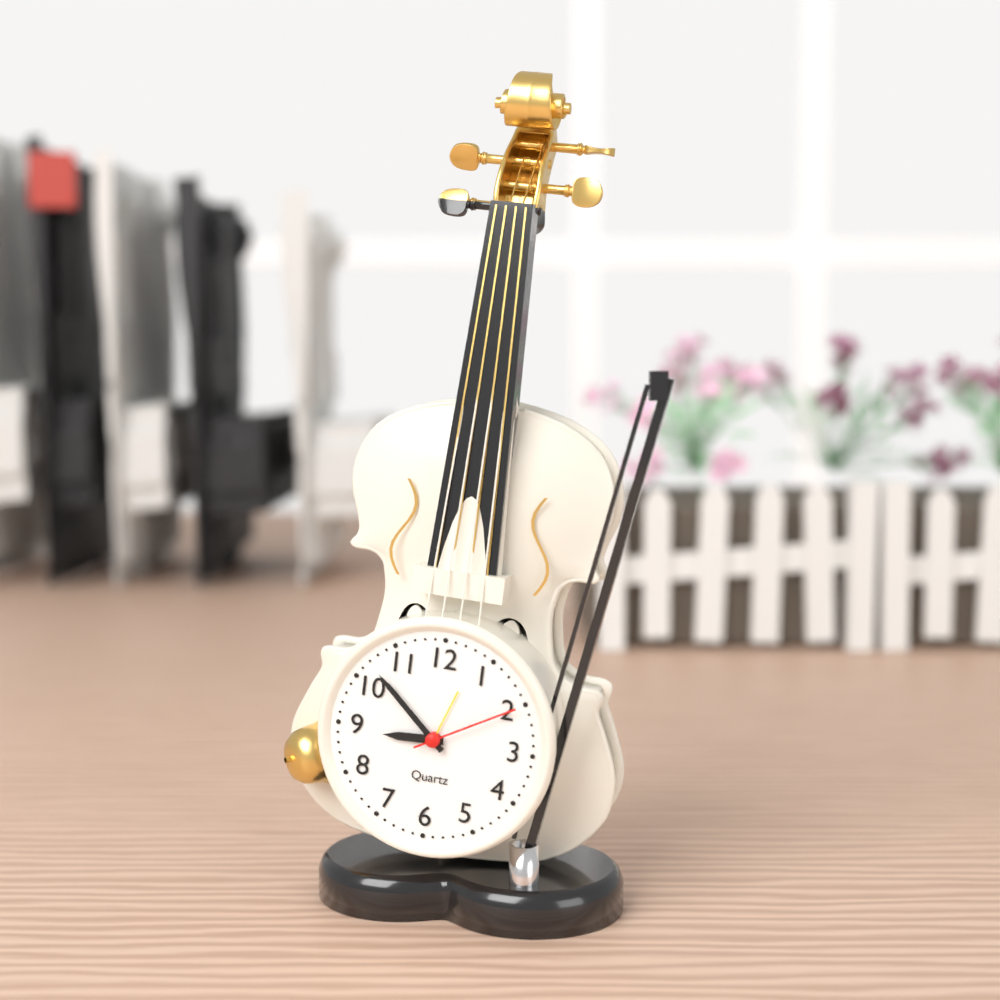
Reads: 8:52:10
